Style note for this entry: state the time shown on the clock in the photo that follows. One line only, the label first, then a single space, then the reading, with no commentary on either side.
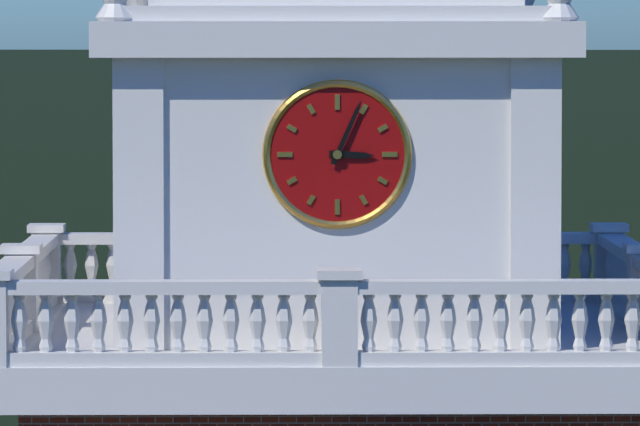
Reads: 3:04
